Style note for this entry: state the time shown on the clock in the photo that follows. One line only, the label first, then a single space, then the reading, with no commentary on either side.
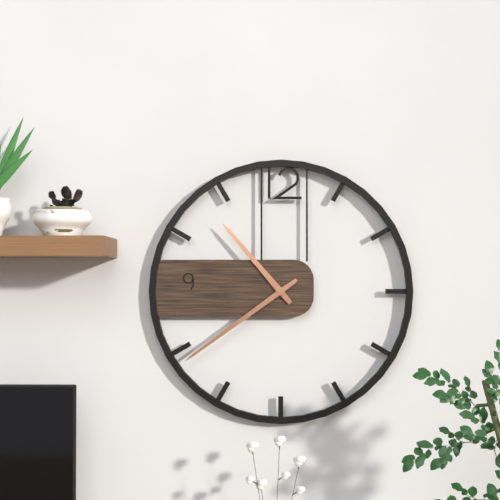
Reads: 10:39
